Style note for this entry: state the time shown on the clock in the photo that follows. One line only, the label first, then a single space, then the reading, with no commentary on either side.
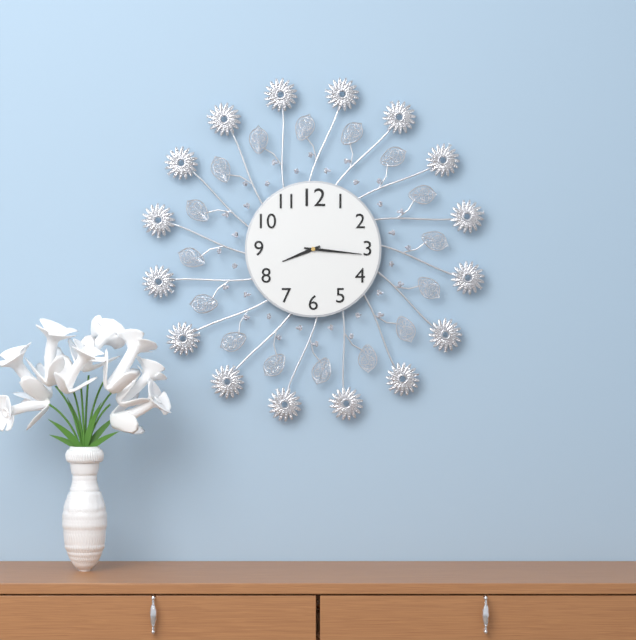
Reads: 8:16
